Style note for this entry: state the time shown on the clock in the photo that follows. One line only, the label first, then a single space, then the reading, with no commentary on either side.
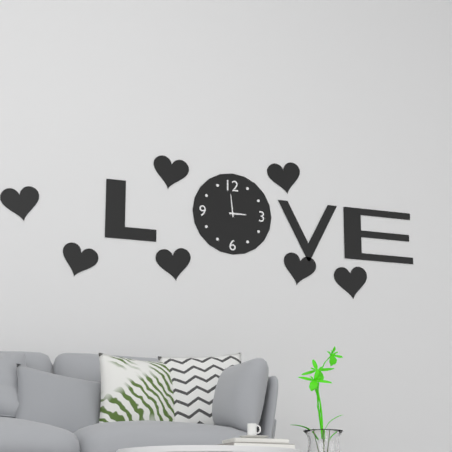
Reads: 2:59
